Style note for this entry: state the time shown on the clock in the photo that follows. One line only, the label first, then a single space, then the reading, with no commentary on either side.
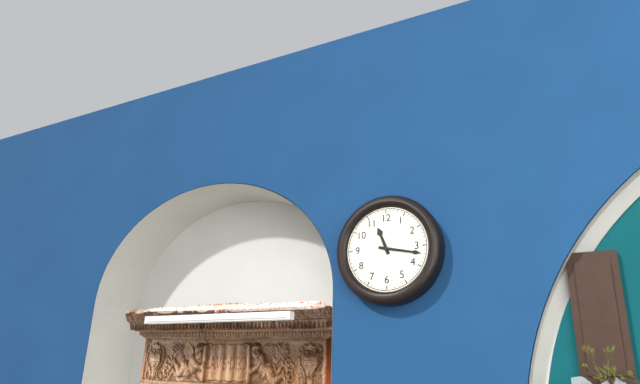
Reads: 11:17
